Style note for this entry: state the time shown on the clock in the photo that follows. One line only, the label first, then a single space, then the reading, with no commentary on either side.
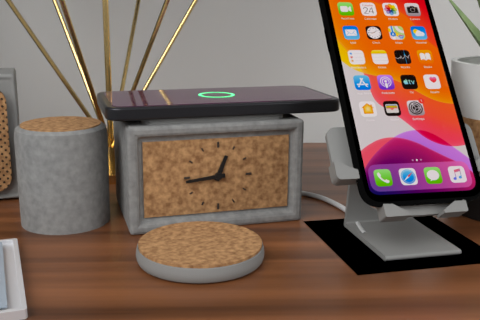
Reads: 12:44
